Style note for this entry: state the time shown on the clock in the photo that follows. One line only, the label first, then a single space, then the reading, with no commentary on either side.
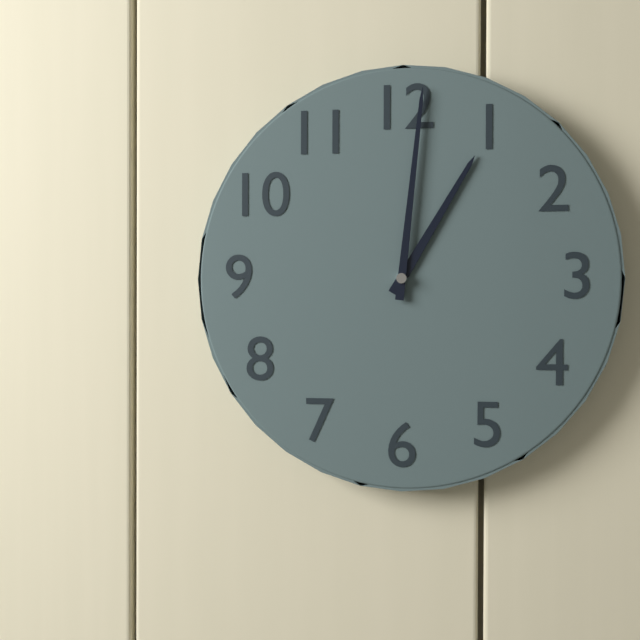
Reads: 1:01
